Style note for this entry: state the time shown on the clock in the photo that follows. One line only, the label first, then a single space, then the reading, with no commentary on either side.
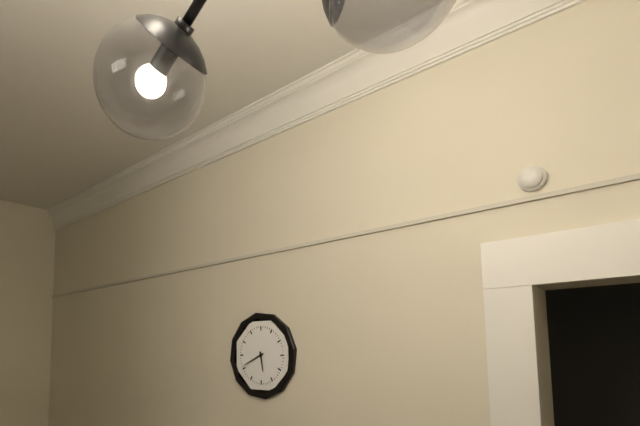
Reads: 5:41
